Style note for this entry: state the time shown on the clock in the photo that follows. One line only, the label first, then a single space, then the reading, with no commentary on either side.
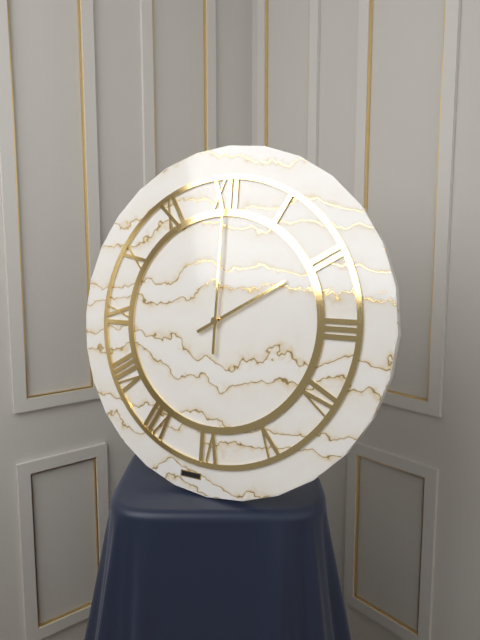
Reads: 2:00
